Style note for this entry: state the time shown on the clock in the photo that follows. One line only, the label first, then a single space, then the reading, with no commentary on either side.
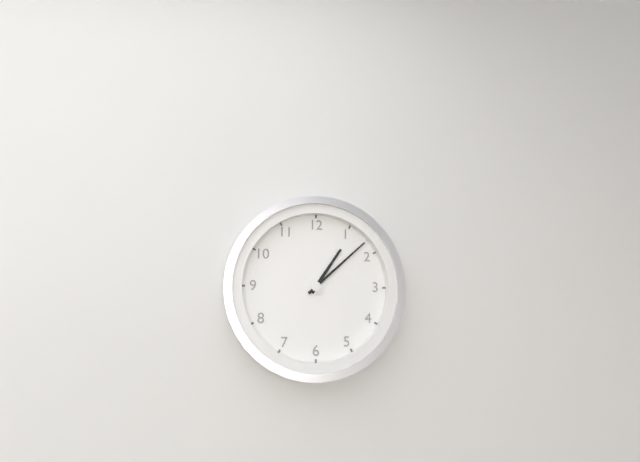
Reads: 1:08
